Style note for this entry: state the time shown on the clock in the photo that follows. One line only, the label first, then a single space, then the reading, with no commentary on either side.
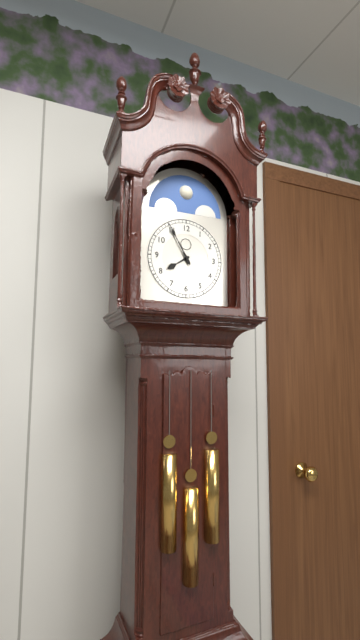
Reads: 7:55
